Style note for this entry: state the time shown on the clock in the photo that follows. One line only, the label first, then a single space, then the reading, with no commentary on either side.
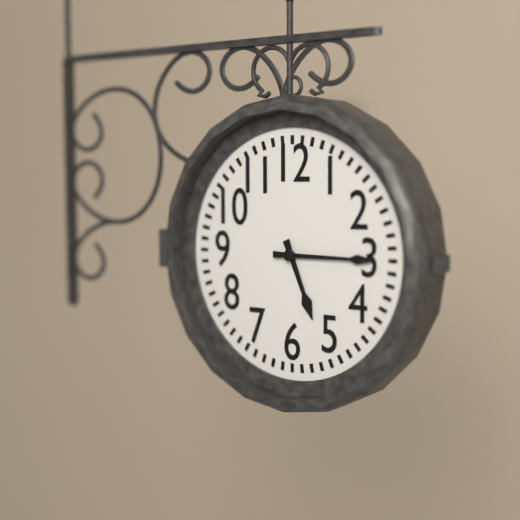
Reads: 5:15
